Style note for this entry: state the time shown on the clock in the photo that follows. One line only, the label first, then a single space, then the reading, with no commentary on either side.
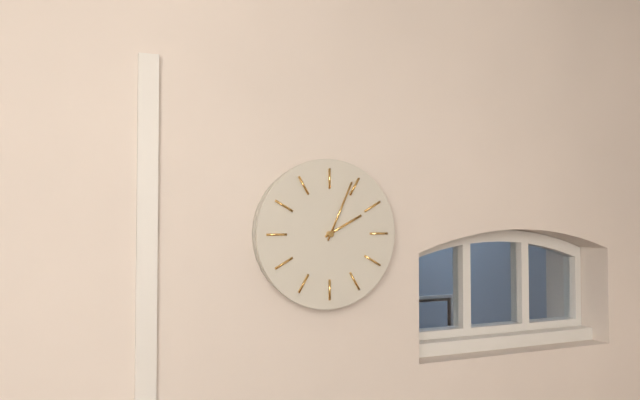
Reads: 2:04
